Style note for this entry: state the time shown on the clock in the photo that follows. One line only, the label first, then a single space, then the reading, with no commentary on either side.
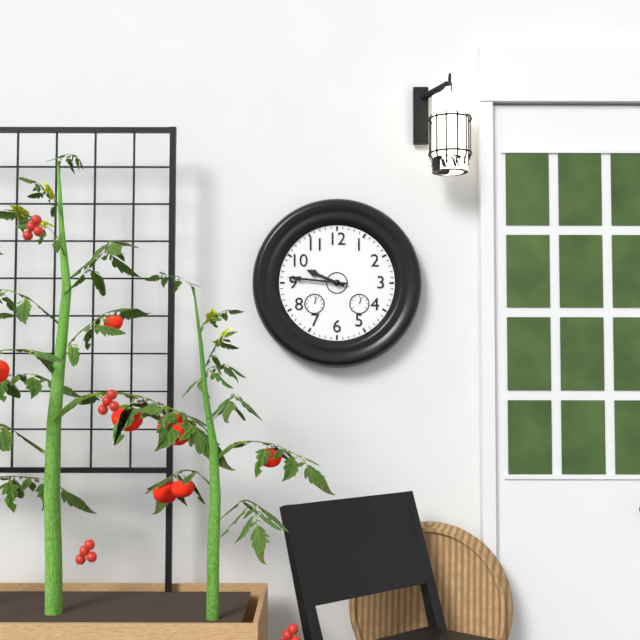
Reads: 9:46
